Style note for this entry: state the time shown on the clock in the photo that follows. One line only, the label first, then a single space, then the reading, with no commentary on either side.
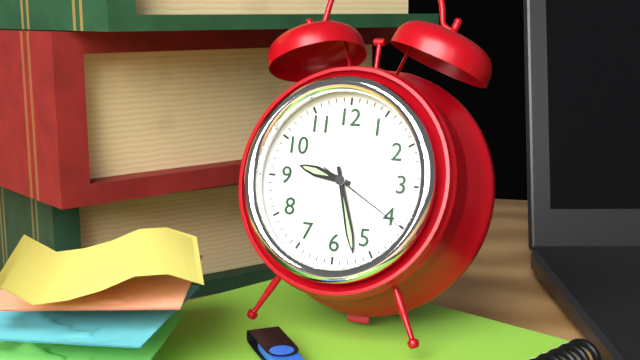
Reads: 9:27:20
